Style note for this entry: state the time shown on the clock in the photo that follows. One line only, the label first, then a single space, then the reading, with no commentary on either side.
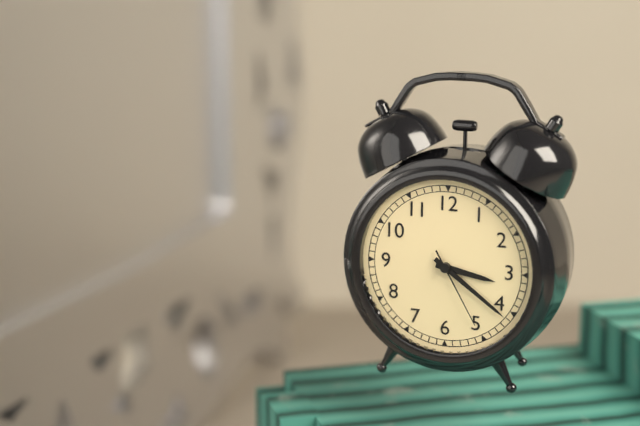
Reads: 3:21:25
